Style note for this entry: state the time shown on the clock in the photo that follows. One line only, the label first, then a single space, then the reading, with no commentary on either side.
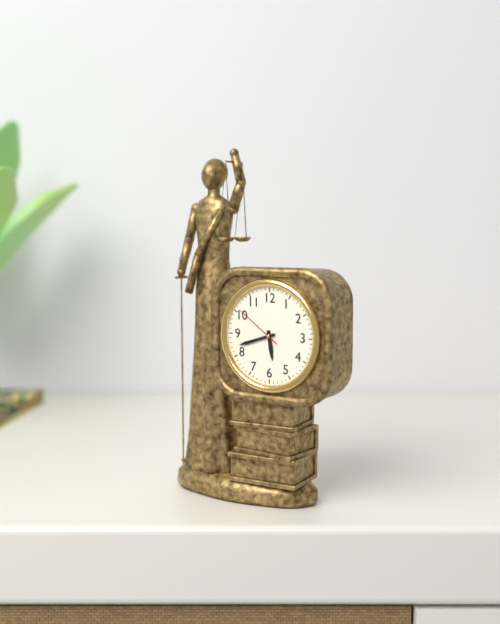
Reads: 5:42
